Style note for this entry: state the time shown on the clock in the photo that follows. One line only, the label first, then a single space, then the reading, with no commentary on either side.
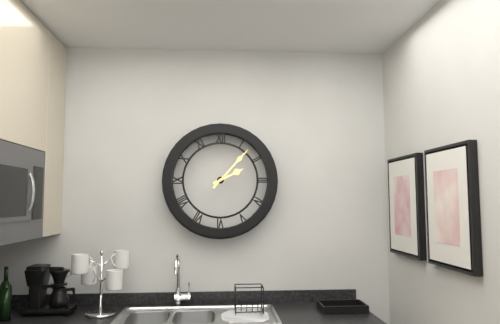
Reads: 2:07
